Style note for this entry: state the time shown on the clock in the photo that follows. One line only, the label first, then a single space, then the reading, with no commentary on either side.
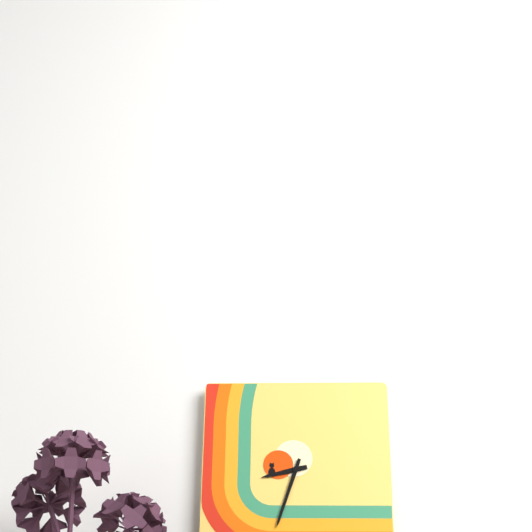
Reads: 8:33
